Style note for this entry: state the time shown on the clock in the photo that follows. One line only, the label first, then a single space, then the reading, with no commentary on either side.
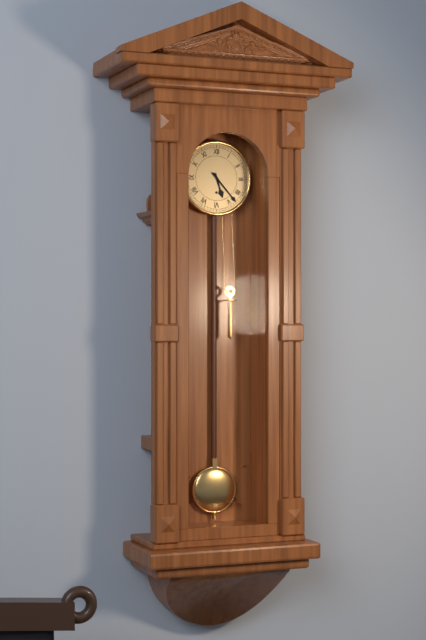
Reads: 5:23
